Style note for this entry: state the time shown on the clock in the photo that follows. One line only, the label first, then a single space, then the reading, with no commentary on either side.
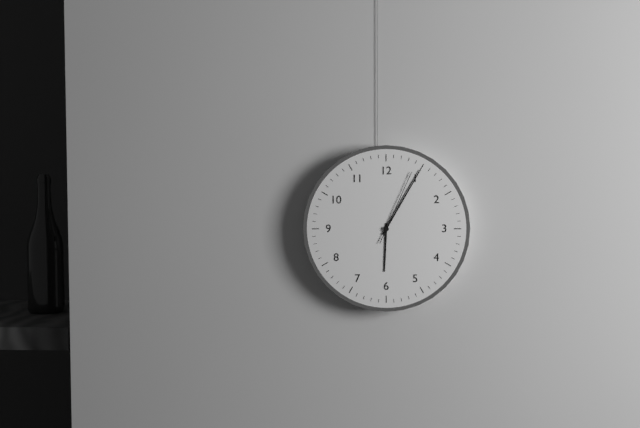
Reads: 6:05:04
